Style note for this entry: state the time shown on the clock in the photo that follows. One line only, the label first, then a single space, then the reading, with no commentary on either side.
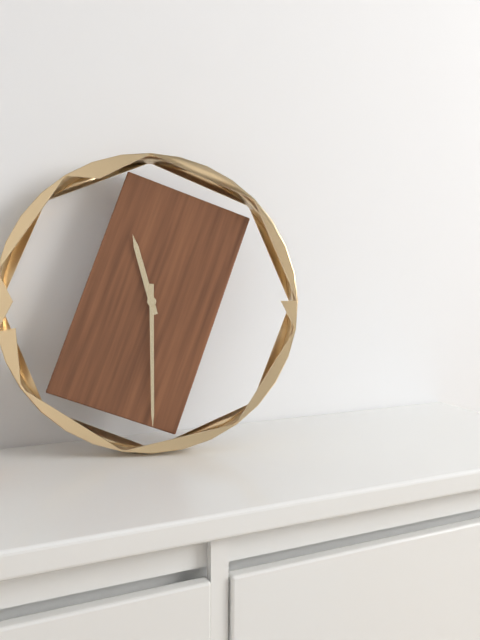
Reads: 11:30
